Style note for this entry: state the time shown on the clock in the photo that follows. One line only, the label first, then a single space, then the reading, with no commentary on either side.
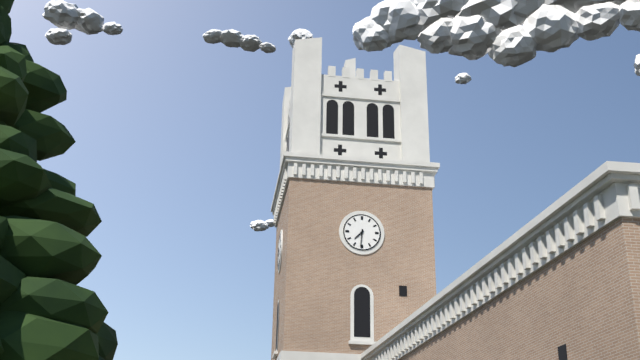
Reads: 7:31
